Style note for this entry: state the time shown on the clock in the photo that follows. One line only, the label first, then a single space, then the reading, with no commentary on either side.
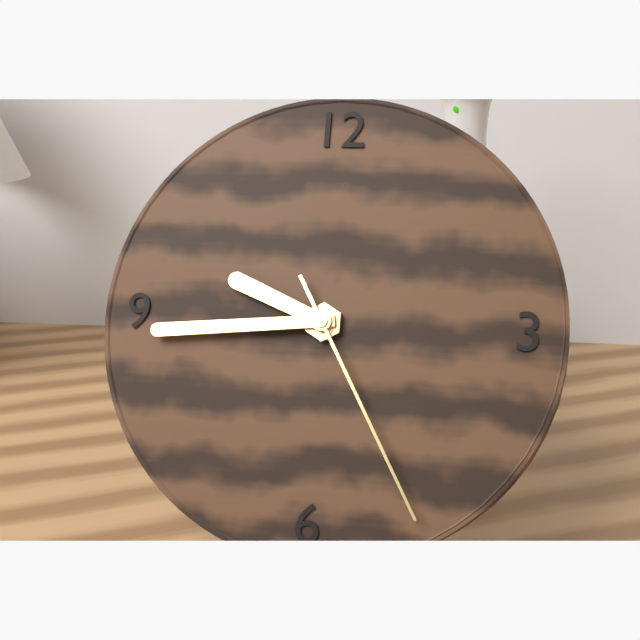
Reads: 9:44:25
